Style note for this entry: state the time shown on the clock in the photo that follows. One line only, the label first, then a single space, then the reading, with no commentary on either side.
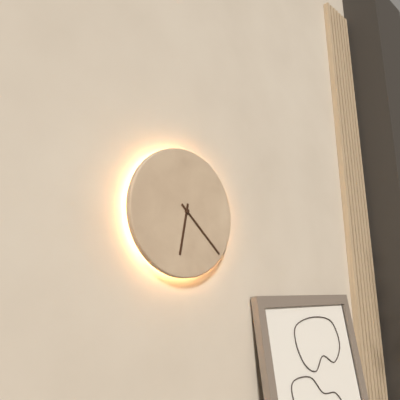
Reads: 6:22
